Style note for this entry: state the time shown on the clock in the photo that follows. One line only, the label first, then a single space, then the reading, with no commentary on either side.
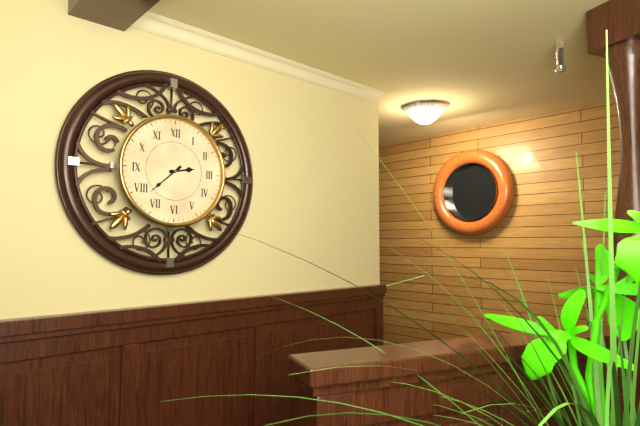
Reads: 2:38
